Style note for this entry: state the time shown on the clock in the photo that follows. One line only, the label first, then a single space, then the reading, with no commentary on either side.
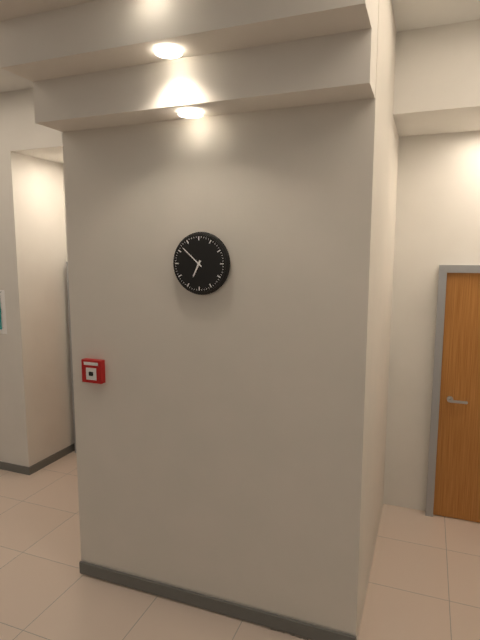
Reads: 6:52
